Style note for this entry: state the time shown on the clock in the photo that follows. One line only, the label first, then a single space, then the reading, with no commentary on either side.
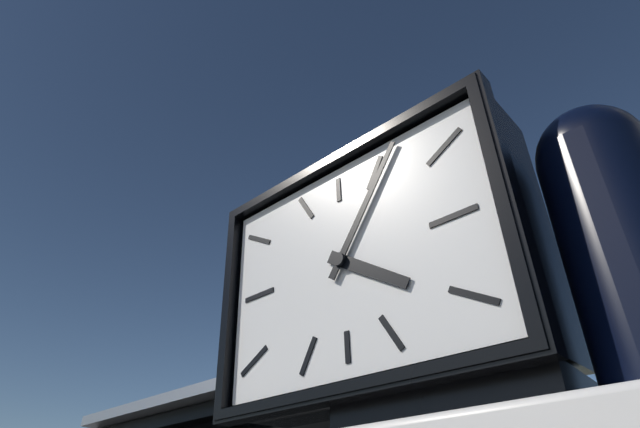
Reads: 4:06
